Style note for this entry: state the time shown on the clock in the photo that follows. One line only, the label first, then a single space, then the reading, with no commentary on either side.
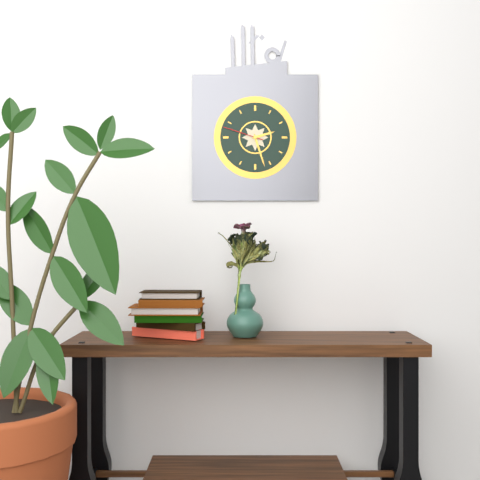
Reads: 2:27
